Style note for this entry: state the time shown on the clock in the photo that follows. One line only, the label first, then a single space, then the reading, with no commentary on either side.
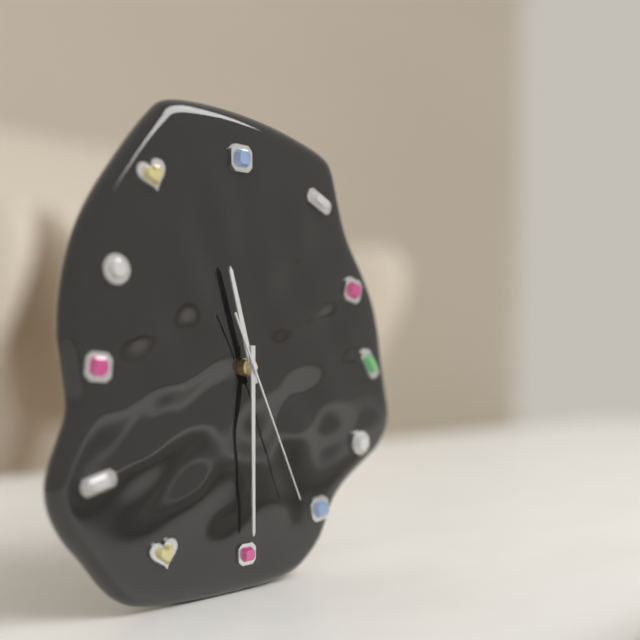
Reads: 11:30:26
